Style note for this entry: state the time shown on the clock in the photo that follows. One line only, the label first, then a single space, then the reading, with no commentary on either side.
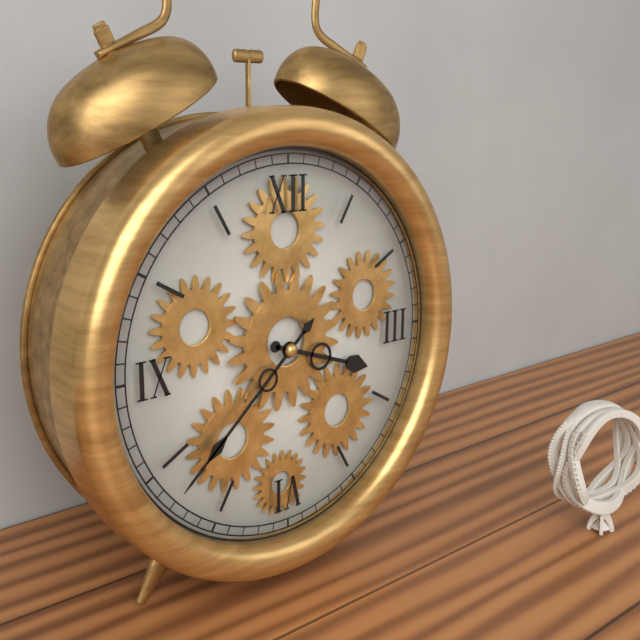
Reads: 3:38
